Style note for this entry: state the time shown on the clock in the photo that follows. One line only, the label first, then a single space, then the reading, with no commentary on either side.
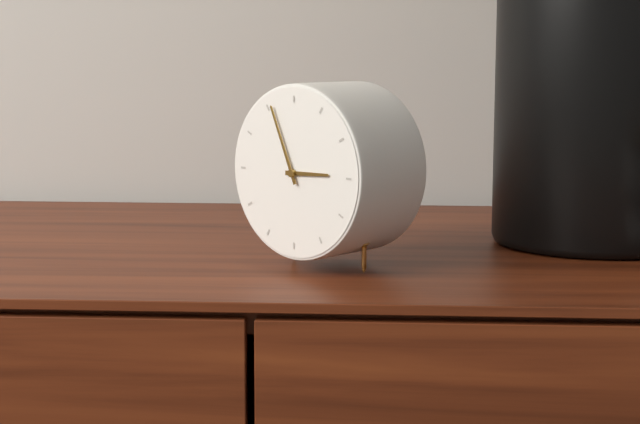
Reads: 2:56
